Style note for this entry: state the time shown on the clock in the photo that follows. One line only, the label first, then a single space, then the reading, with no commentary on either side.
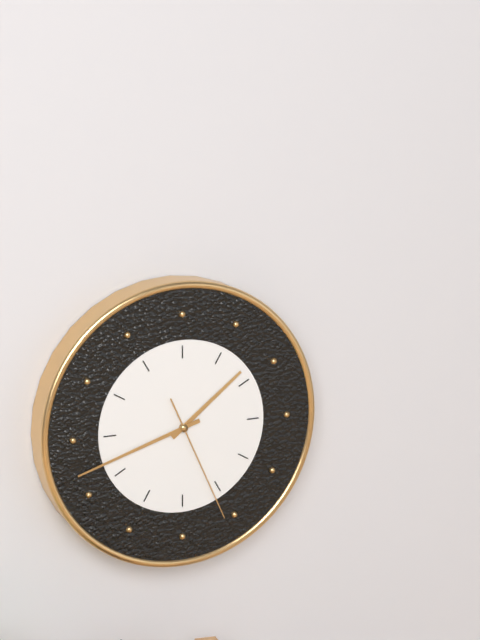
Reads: 1:42:26
